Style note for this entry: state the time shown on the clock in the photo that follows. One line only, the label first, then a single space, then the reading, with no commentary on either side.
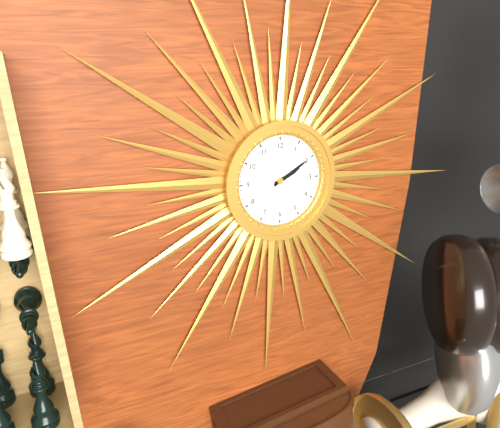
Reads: 2:10
